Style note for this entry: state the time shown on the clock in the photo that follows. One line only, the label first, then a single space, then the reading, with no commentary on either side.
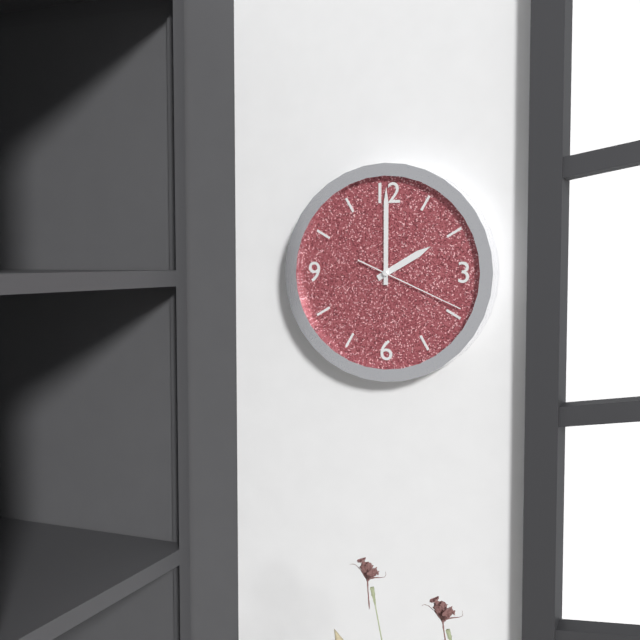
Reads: 2:00:19
